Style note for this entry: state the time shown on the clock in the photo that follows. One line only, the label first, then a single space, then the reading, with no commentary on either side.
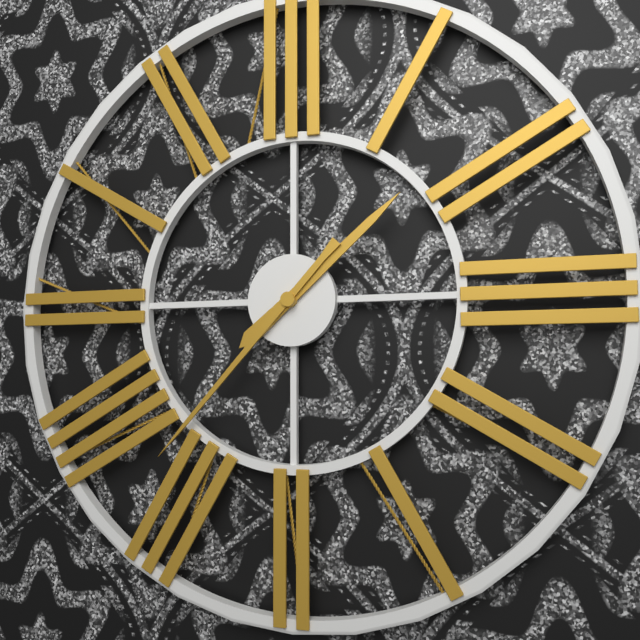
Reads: 1:37
